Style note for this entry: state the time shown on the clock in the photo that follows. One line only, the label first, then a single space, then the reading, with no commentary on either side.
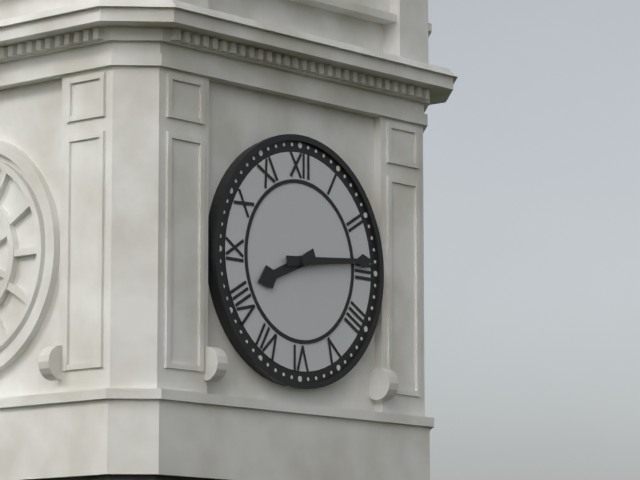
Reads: 8:14
